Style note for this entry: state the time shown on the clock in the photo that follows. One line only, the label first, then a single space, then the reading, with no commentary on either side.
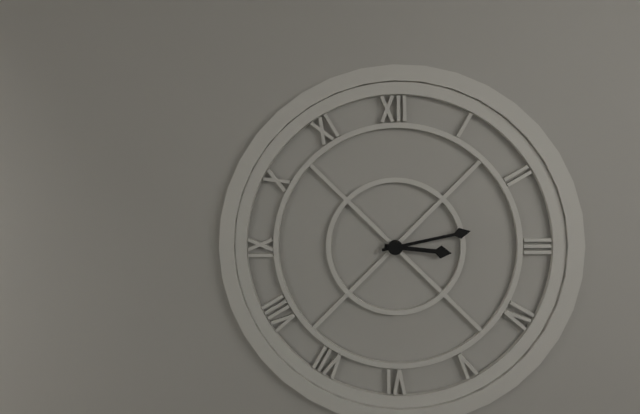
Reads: 3:13
